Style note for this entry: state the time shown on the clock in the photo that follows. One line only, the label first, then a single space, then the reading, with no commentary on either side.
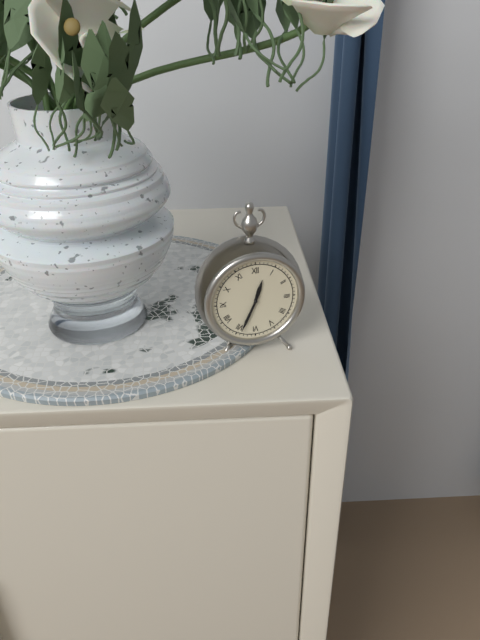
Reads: 12:34
